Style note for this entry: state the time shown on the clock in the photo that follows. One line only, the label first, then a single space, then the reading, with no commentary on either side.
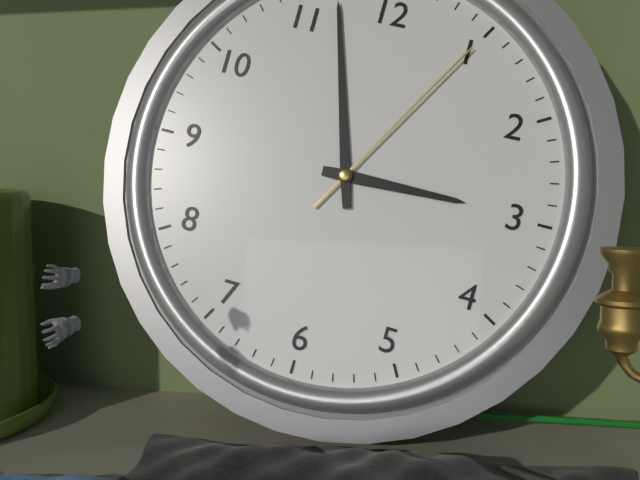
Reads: 2:57:05
